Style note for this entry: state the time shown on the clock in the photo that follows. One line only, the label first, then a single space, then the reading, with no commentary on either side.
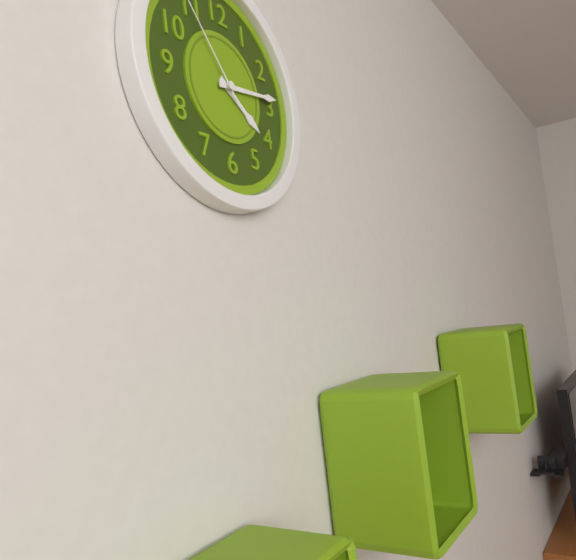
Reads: 4:14
